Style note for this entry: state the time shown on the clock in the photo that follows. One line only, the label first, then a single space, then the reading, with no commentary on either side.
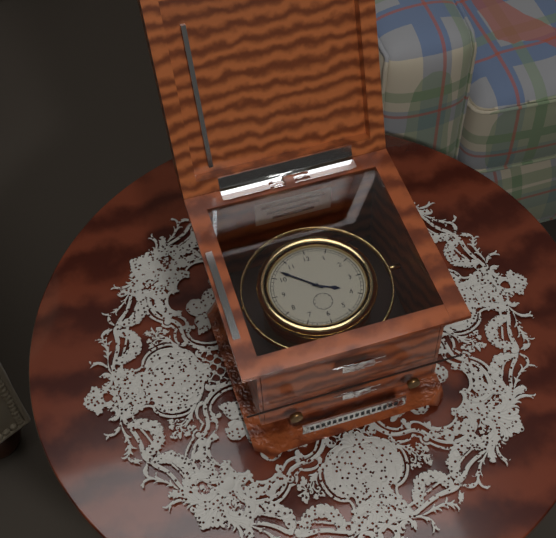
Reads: 3:52
